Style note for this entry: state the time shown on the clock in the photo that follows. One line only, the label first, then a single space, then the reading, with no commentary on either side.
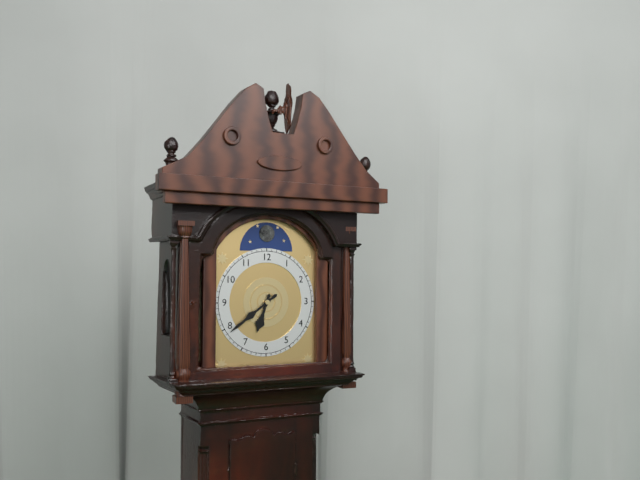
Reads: 6:39
